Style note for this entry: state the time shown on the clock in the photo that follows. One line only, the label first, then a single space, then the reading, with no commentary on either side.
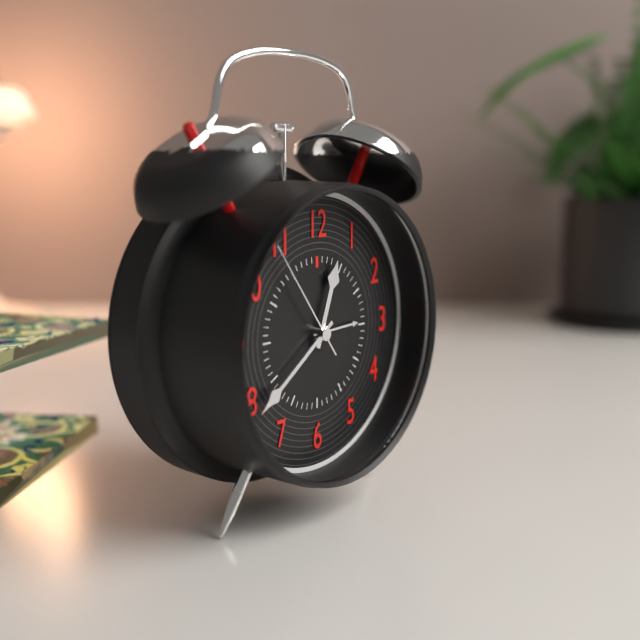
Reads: 12:39:54
